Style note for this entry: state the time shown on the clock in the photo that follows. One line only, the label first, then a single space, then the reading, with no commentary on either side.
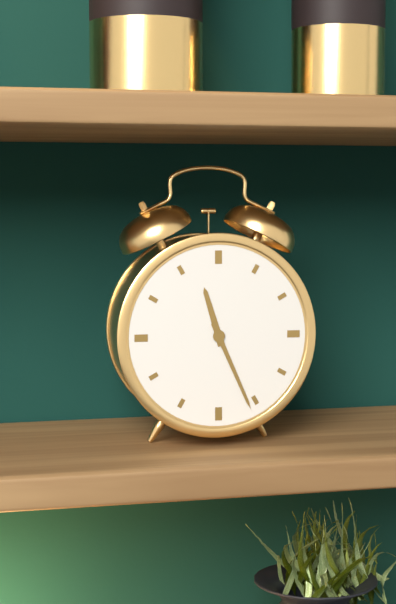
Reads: 11:26
